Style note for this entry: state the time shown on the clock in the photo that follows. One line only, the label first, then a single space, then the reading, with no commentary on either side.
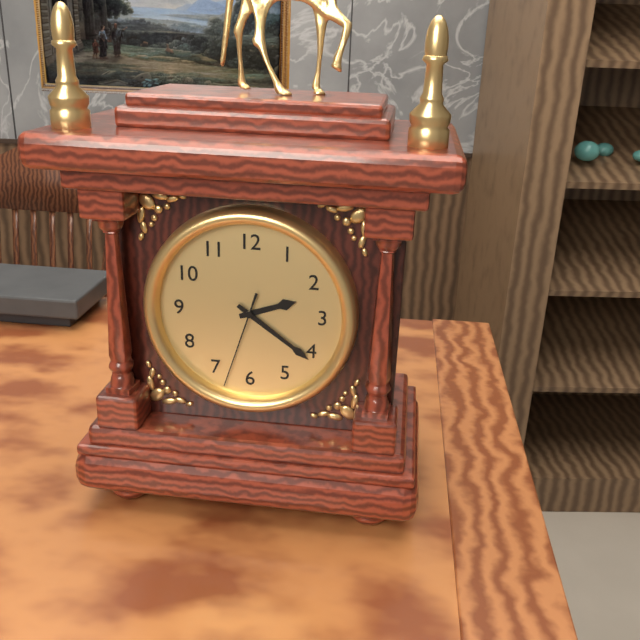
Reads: 2:21:33
